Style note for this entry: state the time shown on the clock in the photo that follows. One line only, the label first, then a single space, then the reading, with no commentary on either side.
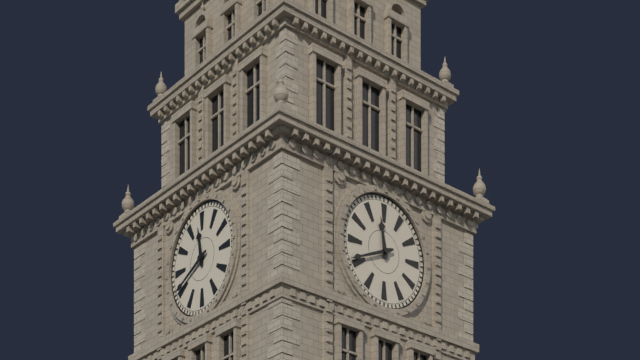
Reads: 11:41
